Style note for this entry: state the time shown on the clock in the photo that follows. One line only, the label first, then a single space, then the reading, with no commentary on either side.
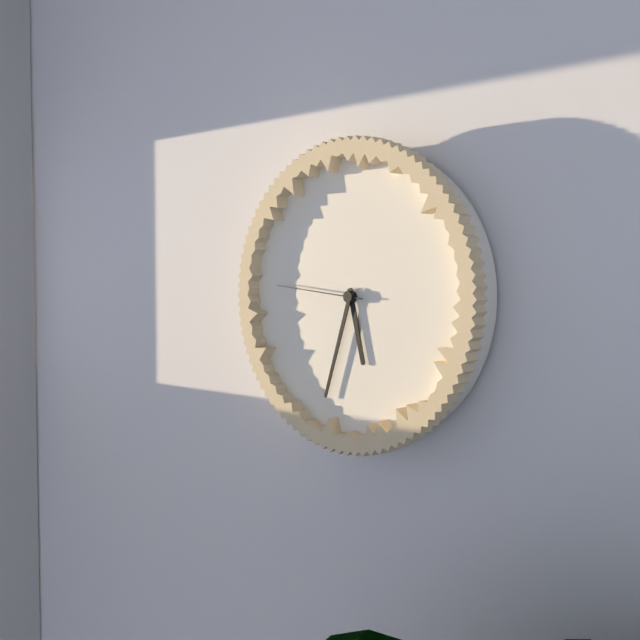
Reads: 5:33:46
